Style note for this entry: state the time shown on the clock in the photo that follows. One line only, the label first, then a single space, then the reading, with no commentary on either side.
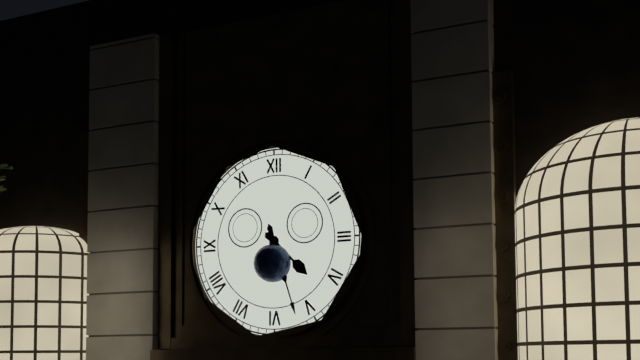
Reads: 4:27
